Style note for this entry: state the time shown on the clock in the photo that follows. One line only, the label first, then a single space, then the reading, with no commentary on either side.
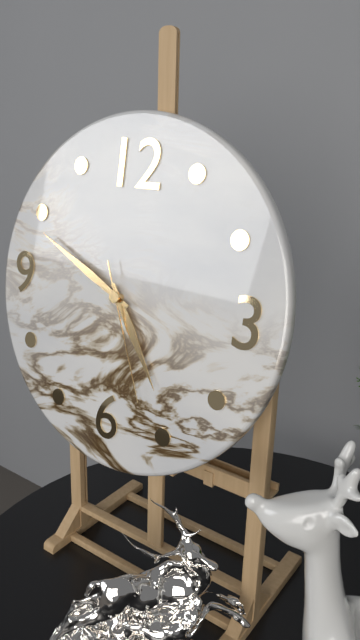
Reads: 4:49:26
